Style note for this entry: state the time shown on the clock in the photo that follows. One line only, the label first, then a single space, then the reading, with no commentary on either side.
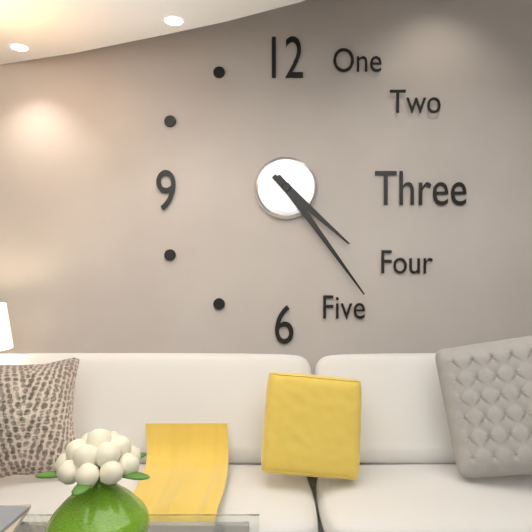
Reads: 4:24
